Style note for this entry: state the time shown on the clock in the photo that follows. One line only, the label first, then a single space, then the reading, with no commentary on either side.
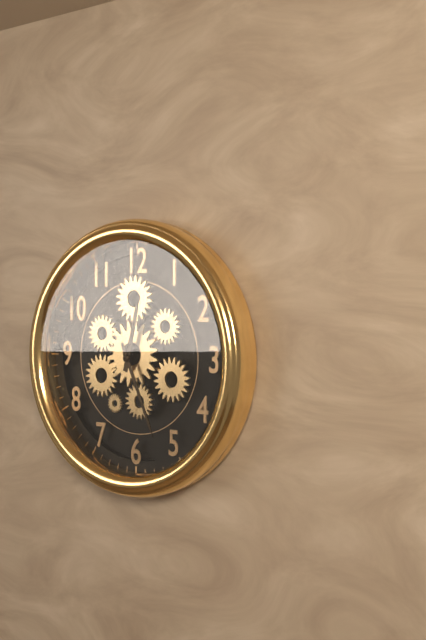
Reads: 12:26
